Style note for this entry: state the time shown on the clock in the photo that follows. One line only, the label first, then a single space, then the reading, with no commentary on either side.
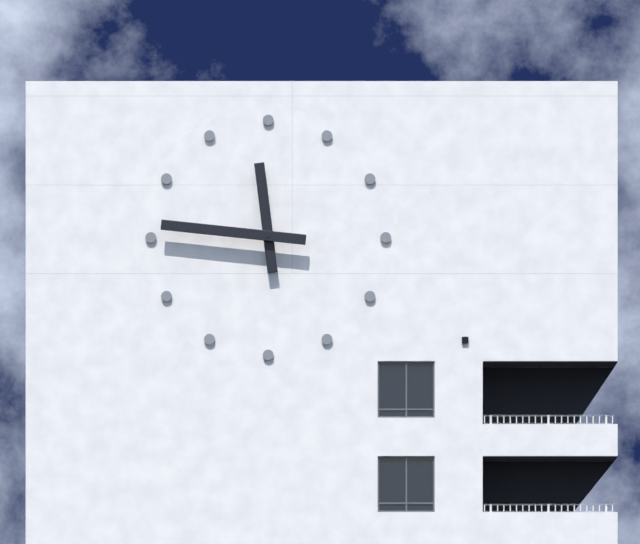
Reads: 11:46
